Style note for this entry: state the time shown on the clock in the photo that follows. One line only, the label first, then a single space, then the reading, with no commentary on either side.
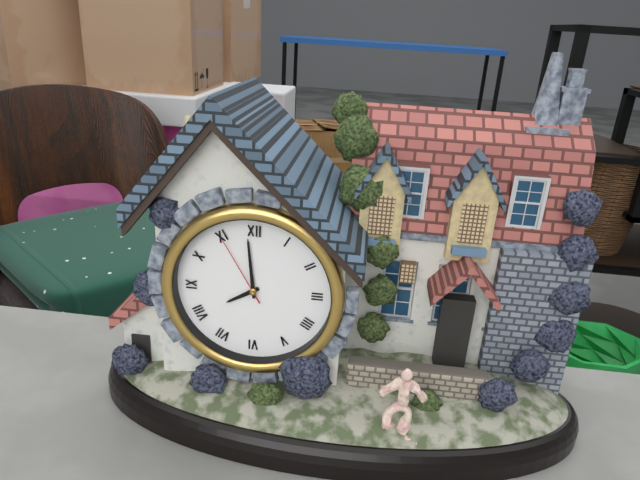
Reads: 7:59:55
